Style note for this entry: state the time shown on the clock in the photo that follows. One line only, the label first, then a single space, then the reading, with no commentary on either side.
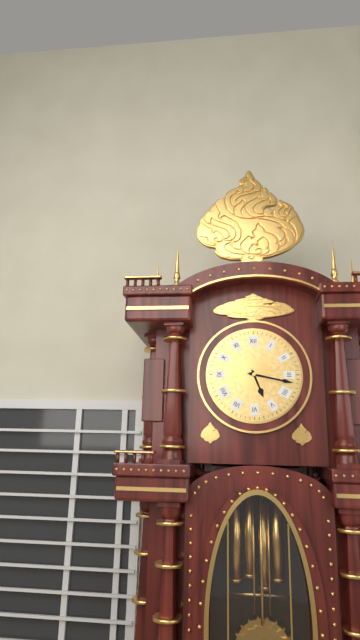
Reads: 5:17
